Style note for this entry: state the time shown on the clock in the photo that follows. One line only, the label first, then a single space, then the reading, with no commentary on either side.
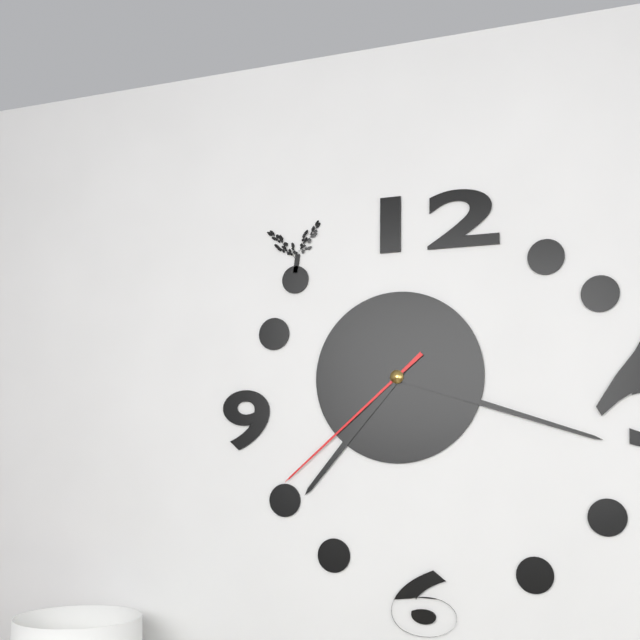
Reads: 7:18:38
